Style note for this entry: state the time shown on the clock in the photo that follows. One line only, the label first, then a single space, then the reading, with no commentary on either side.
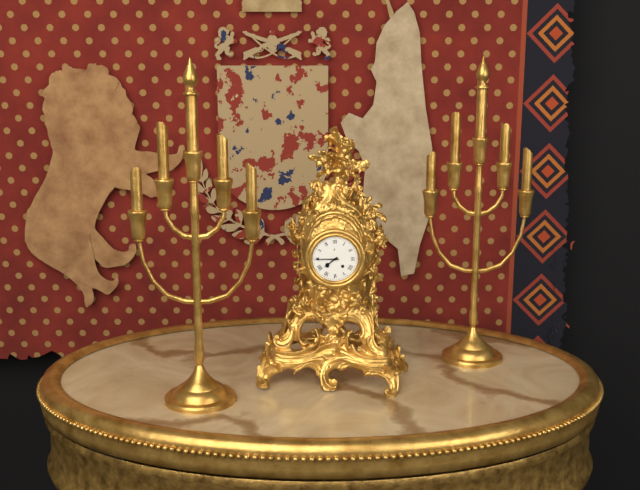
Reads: 7:45
